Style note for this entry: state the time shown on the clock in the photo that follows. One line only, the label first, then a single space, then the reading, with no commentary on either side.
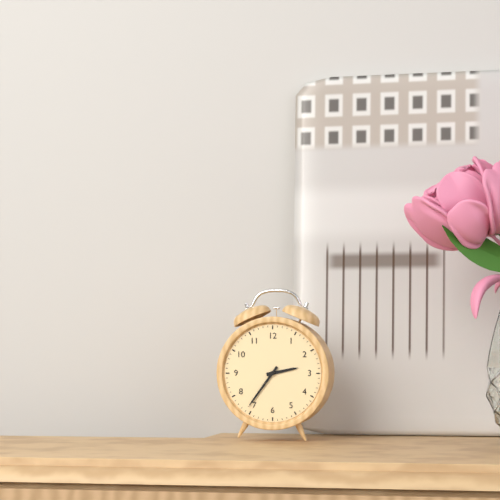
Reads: 2:36
